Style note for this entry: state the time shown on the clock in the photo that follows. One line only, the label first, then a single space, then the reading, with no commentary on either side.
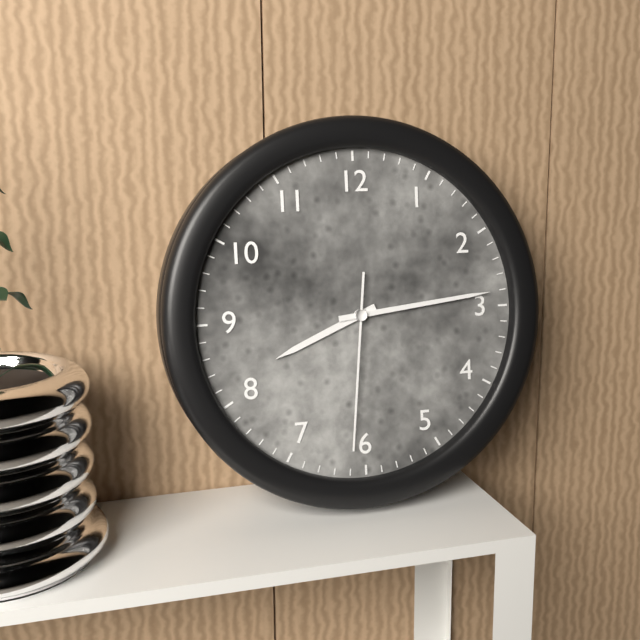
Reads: 8:14:31
